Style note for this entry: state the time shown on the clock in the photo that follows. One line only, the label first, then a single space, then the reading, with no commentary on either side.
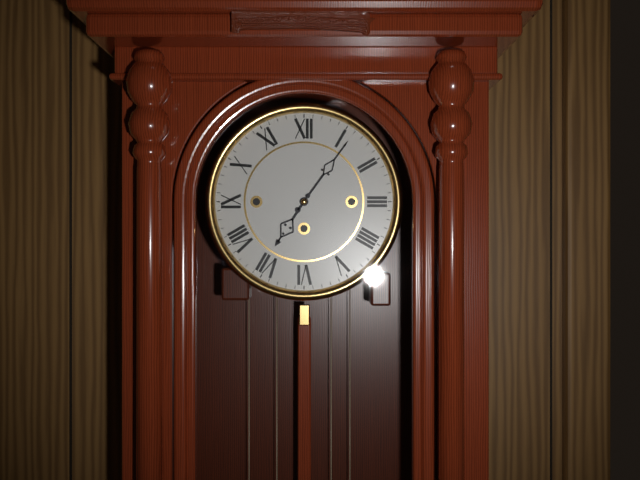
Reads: 7:06
